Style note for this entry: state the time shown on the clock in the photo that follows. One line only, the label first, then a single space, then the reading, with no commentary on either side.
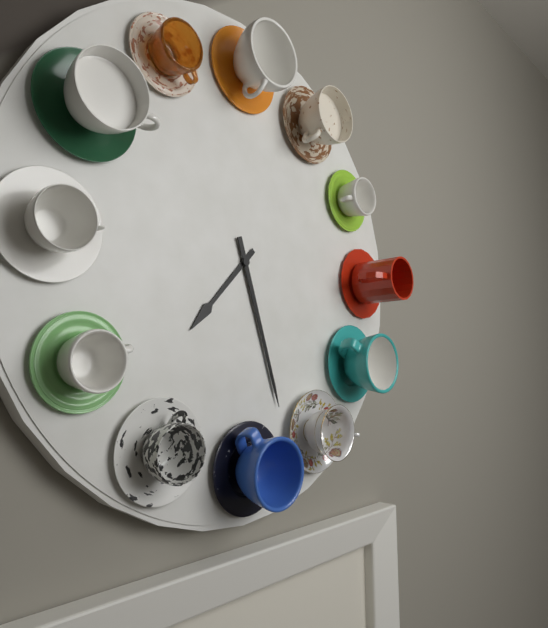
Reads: 7:27
